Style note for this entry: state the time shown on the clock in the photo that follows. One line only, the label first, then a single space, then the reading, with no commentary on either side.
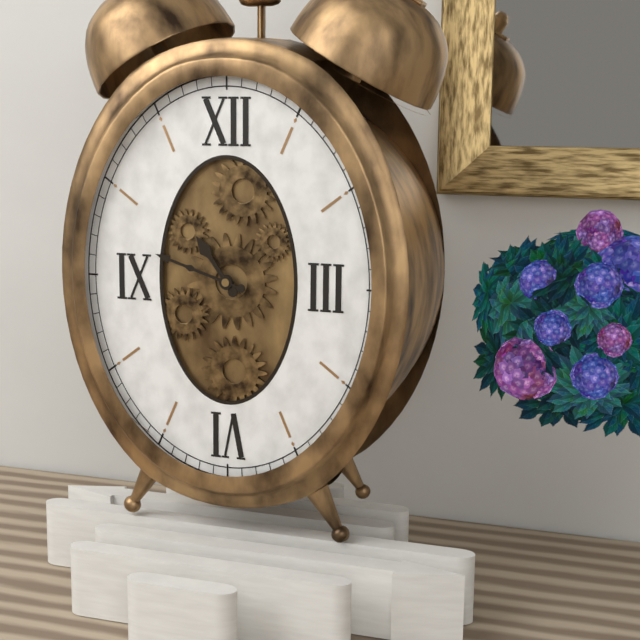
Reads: 10:48
